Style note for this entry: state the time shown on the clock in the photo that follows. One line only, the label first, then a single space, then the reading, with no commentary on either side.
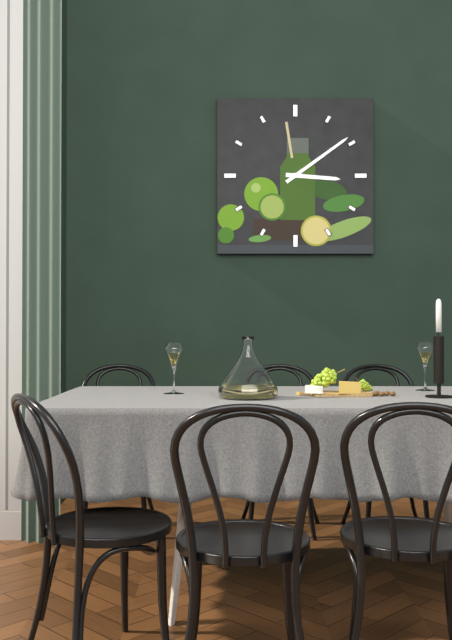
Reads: 3:09
